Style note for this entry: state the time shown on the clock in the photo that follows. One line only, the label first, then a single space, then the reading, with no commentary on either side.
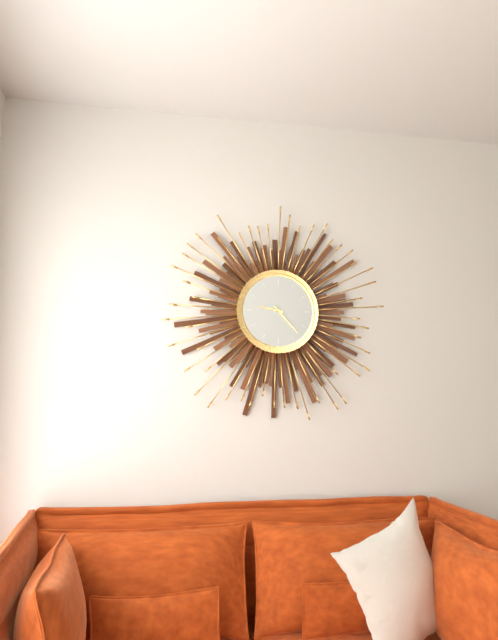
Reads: 9:23
